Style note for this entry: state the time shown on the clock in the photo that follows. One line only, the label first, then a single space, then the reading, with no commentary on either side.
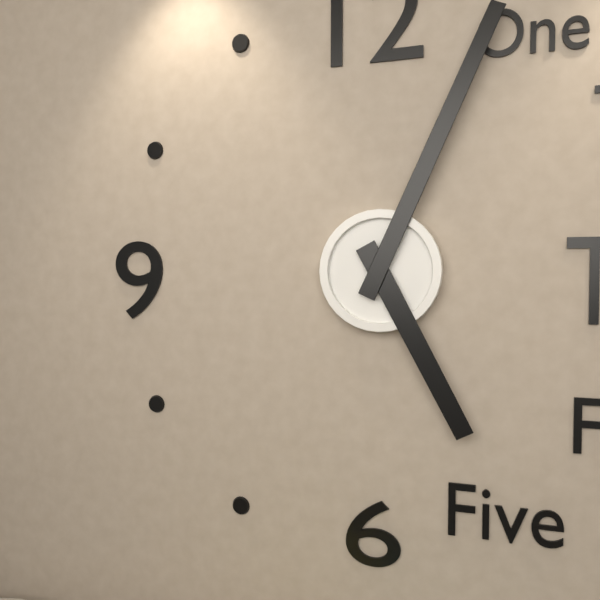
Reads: 5:04
